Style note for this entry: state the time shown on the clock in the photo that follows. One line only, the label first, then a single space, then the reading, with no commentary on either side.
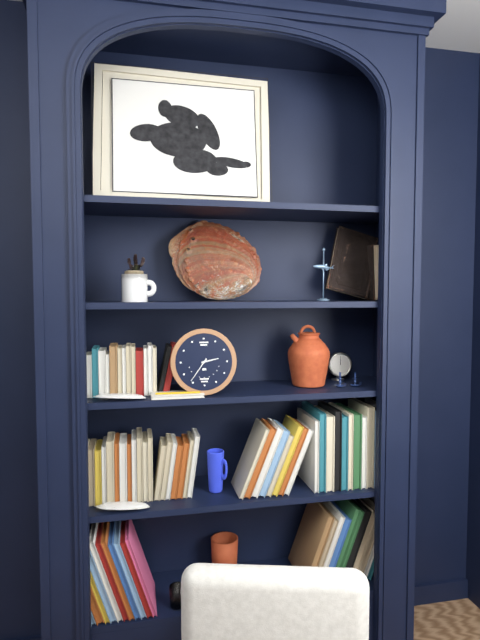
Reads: 2:36
